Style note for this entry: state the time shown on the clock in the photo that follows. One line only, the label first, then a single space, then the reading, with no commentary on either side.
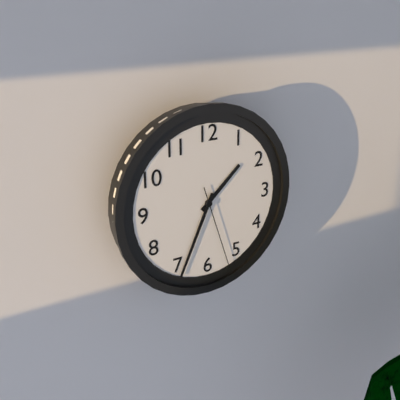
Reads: 1:34:27
